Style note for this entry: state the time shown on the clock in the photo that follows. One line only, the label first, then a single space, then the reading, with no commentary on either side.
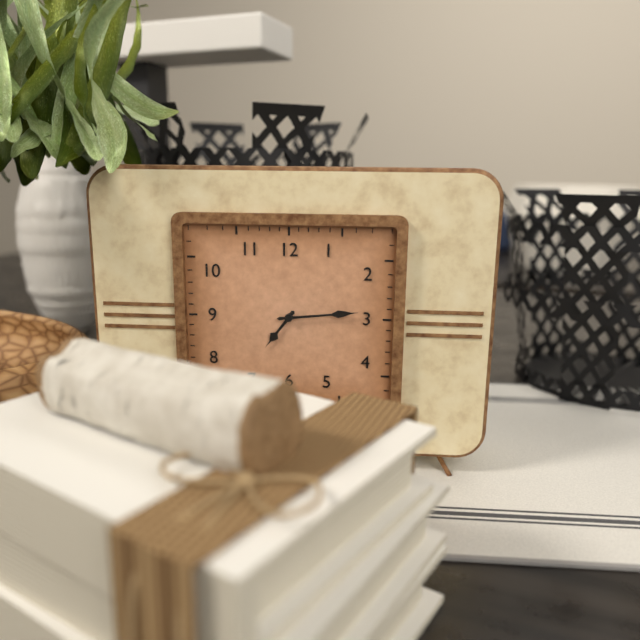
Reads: 7:14
